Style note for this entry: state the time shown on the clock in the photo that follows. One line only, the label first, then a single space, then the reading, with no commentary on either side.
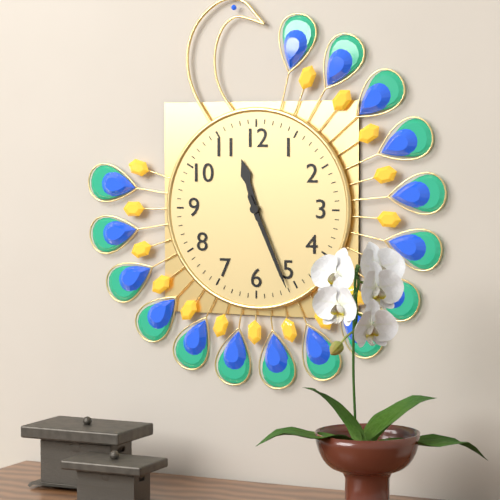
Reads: 11:26
